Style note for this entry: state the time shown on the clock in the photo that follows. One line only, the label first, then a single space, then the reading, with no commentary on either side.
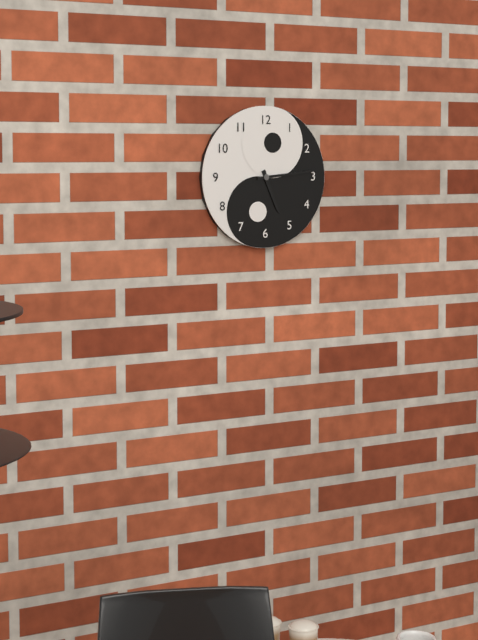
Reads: 5:14
